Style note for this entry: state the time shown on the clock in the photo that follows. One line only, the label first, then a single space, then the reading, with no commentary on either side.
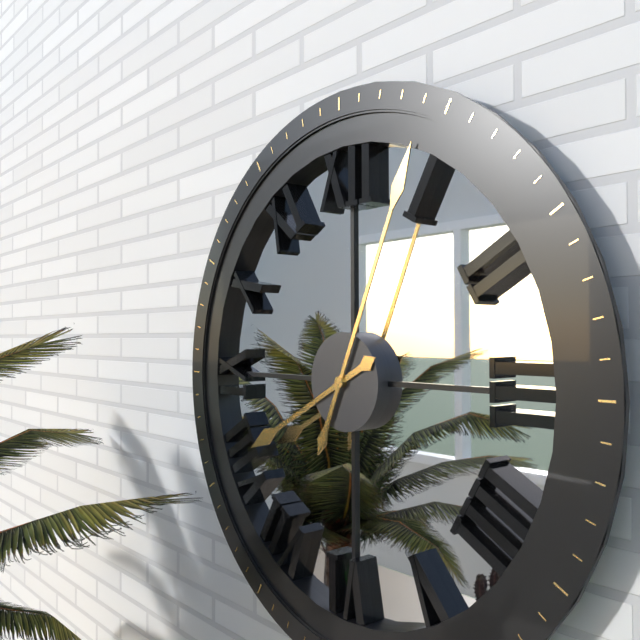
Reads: 8:04
